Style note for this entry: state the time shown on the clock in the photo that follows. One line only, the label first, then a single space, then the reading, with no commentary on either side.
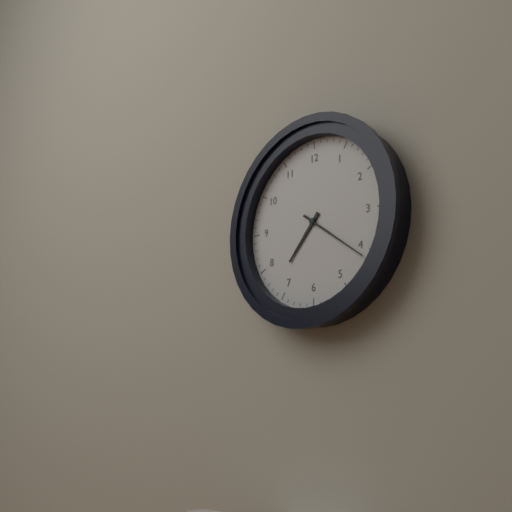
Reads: 7:21
